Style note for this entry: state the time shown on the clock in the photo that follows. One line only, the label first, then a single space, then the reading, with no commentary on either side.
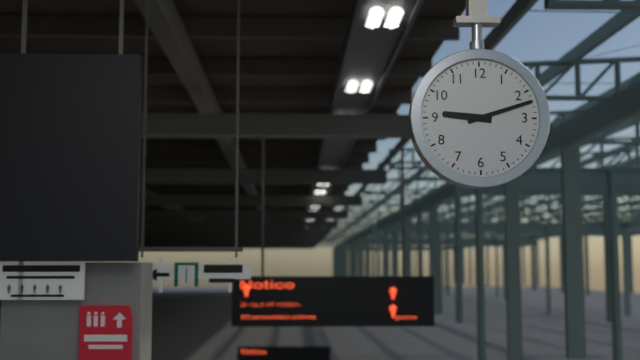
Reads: 9:12
